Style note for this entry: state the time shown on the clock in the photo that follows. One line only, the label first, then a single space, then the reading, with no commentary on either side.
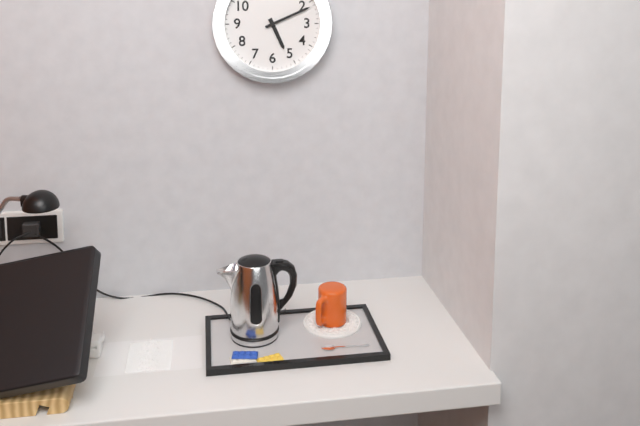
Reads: 5:11
